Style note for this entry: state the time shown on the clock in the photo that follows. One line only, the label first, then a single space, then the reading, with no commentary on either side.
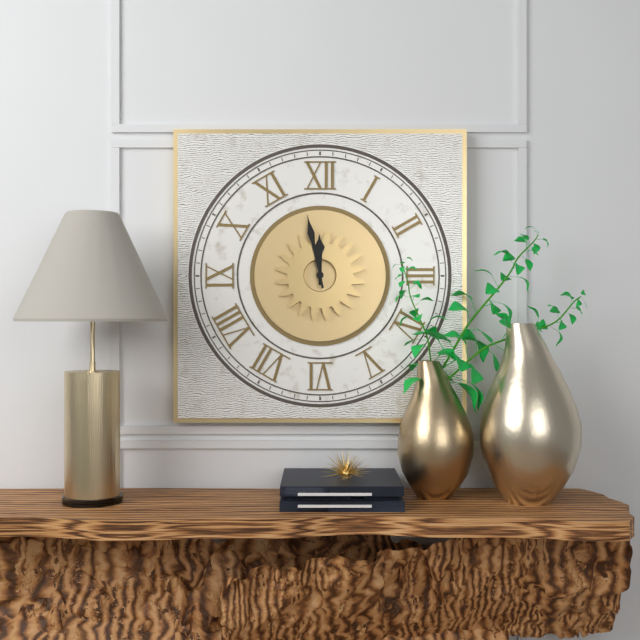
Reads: 11:58
